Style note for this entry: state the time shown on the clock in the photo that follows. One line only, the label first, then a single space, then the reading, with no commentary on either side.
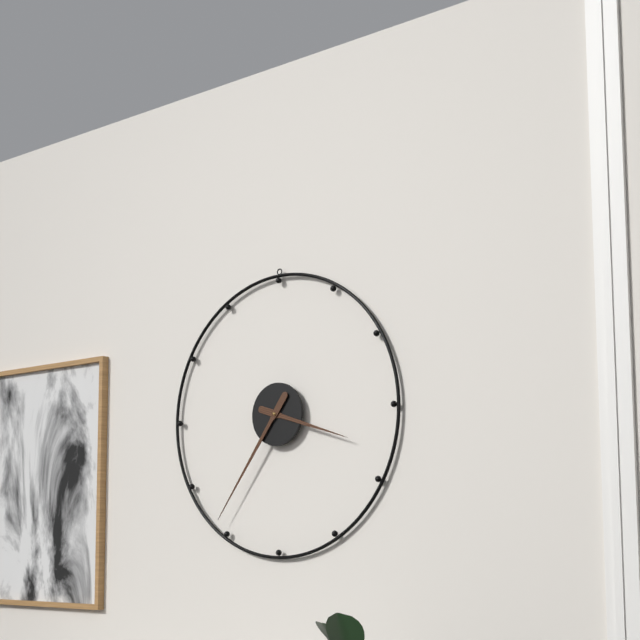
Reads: 3:36
